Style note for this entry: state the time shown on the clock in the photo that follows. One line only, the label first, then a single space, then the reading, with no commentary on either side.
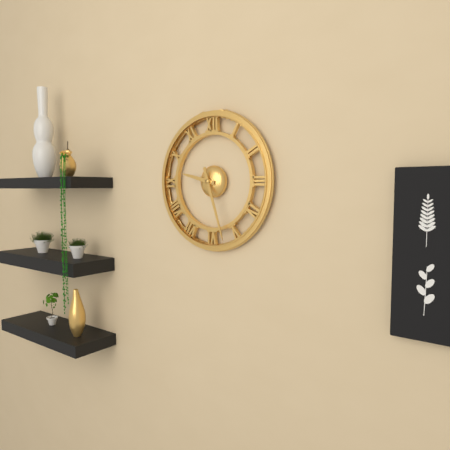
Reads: 9:27
